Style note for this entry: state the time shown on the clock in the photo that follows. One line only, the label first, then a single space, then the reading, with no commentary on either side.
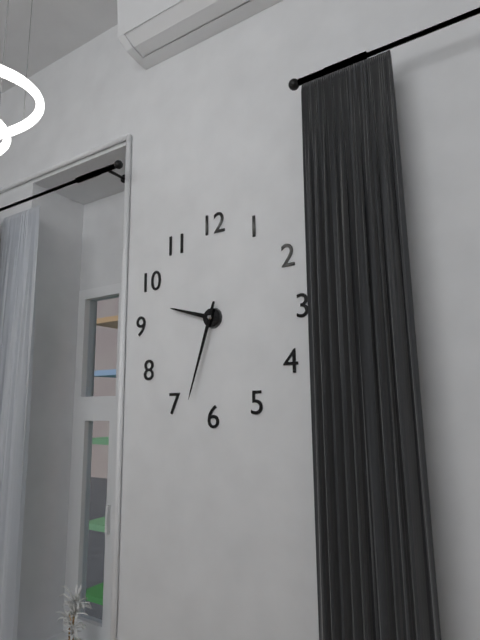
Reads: 9:33
